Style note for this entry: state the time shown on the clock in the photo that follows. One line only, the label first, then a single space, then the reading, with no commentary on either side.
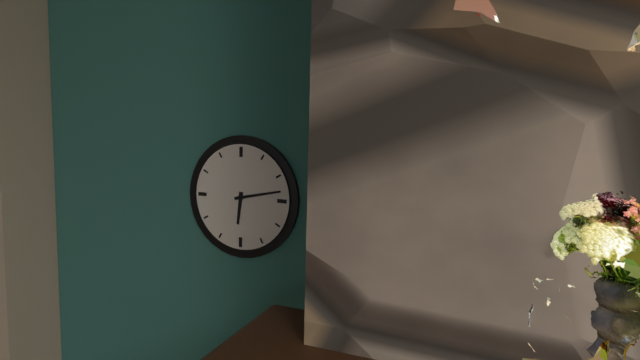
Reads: 6:13
